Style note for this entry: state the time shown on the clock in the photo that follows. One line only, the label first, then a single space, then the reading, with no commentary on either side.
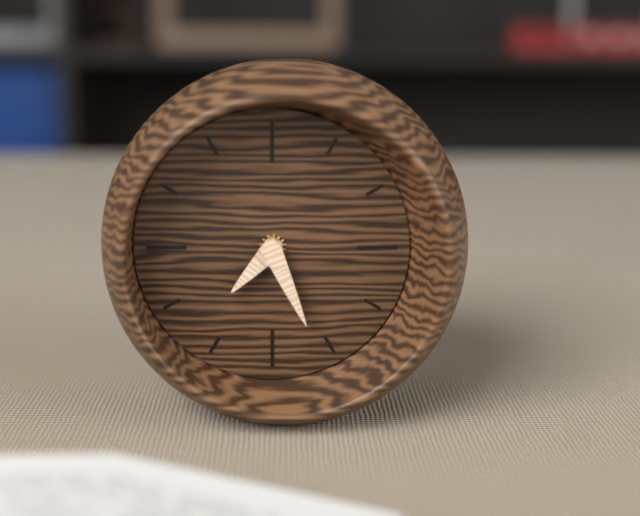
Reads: 7:26
